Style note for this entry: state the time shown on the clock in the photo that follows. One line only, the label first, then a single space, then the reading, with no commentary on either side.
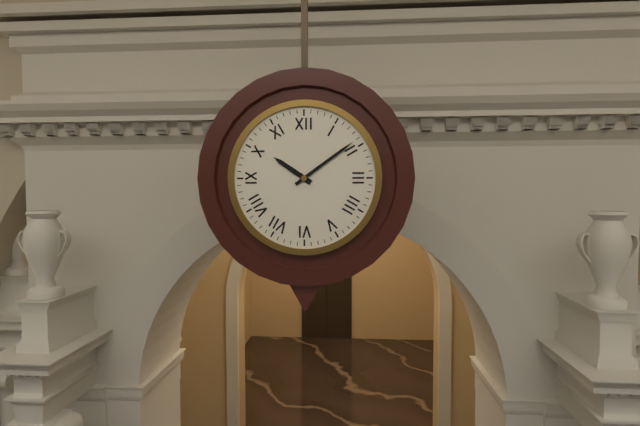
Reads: 10:09
